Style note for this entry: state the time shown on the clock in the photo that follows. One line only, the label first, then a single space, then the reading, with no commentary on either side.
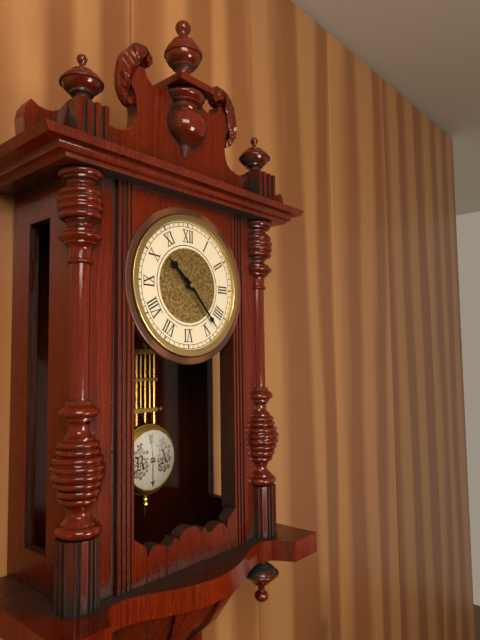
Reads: 10:23
